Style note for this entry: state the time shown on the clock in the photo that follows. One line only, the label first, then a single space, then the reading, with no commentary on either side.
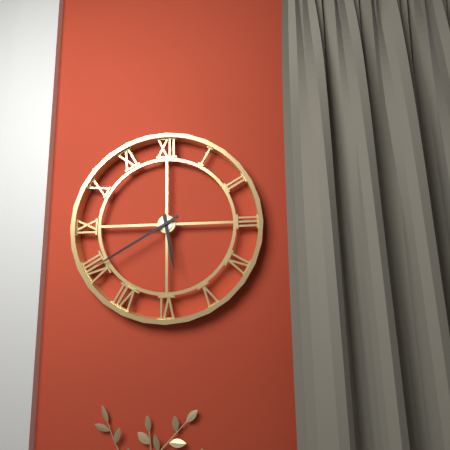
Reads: 5:40
